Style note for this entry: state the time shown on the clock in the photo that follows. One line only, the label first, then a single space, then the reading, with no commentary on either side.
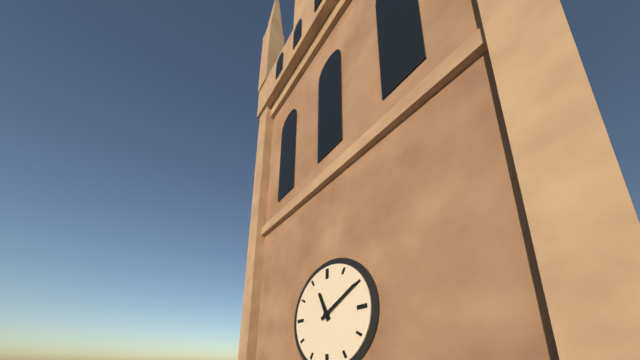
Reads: 11:10
